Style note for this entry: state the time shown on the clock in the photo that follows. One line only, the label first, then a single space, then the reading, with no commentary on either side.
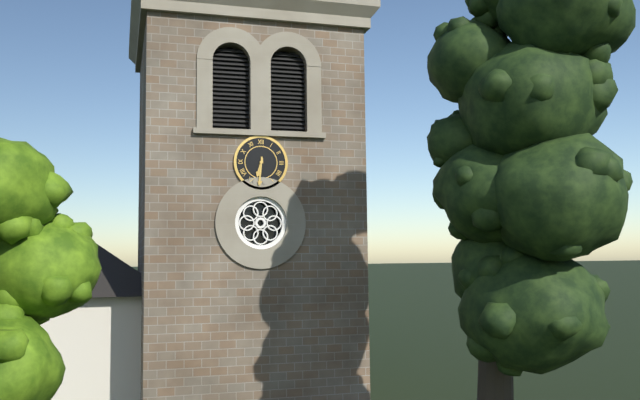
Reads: 6:31
